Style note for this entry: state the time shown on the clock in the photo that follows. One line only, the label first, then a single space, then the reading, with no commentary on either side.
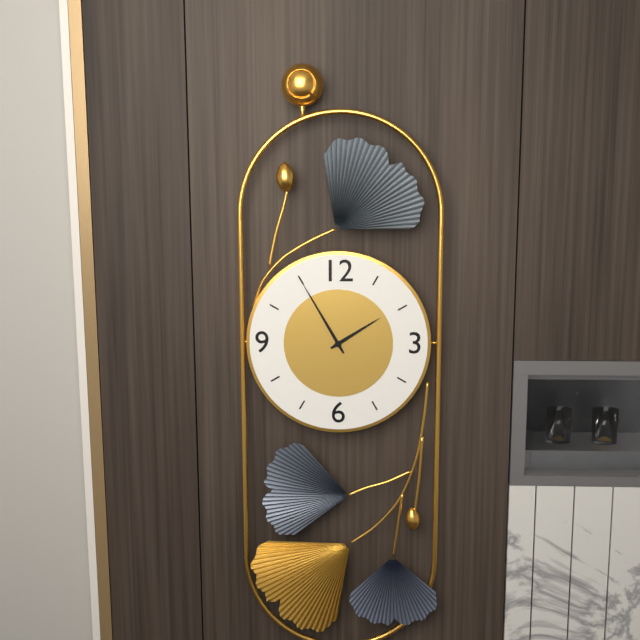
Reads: 1:55
